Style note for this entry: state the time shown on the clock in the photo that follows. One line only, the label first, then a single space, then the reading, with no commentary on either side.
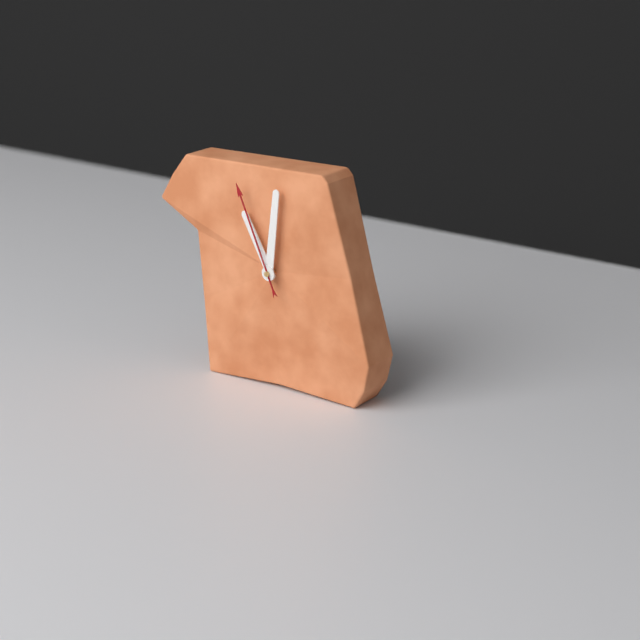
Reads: 11:01:56
